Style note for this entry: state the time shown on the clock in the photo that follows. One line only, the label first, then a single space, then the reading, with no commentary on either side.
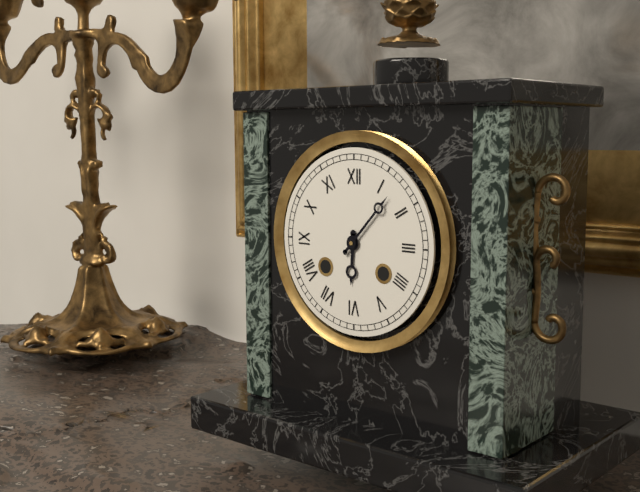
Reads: 6:07
